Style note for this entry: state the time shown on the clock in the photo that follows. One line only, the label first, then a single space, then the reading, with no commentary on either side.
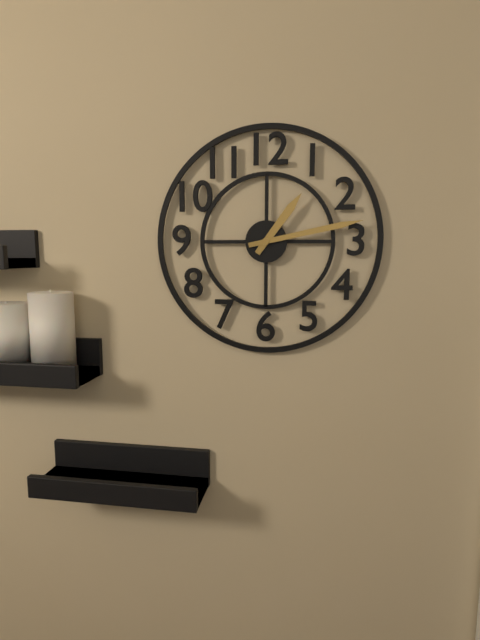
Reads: 1:13
